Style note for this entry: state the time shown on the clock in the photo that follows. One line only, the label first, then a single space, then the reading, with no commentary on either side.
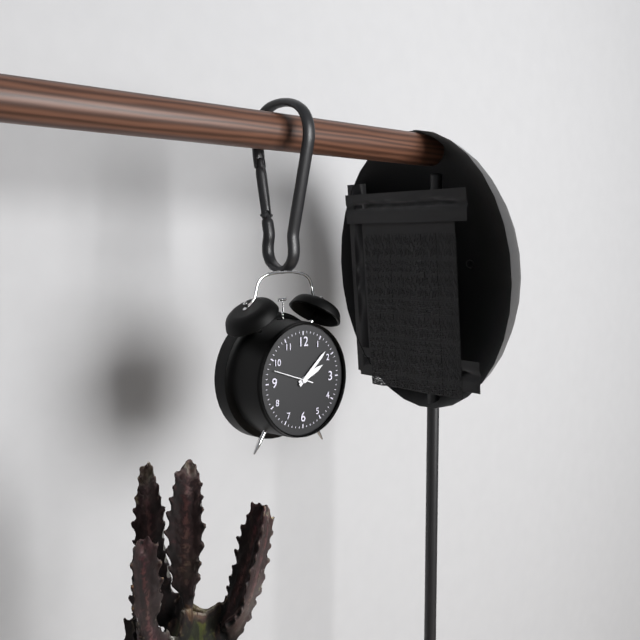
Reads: 2:08
